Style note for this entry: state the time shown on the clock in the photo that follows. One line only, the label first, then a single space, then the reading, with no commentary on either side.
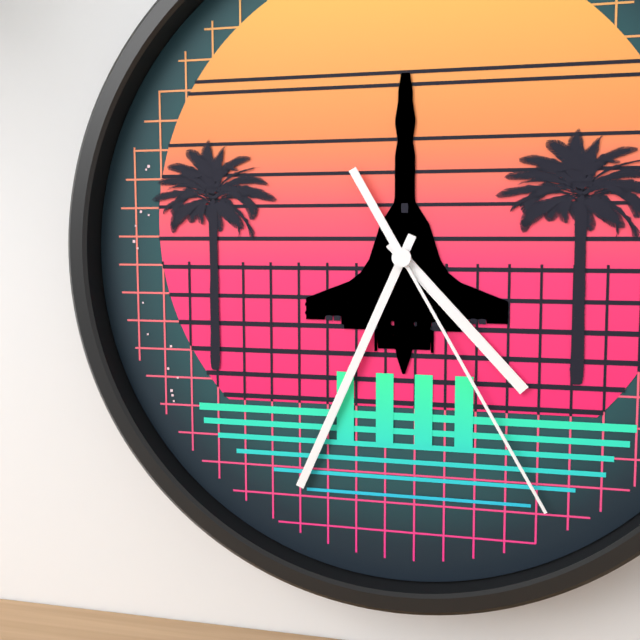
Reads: 4:34:25
